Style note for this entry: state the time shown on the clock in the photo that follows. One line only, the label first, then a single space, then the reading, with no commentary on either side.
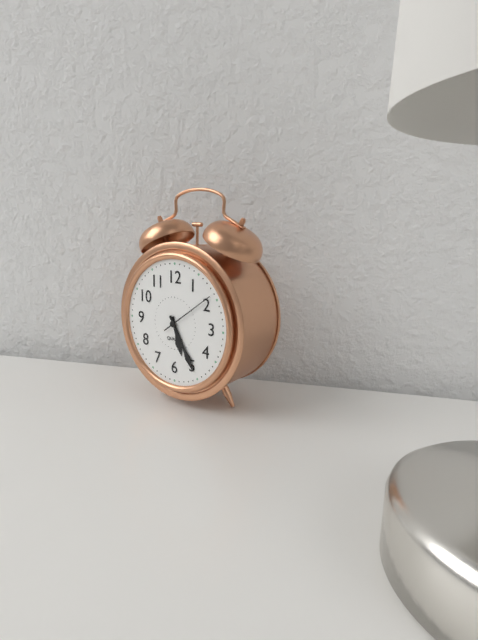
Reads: 5:25:09
